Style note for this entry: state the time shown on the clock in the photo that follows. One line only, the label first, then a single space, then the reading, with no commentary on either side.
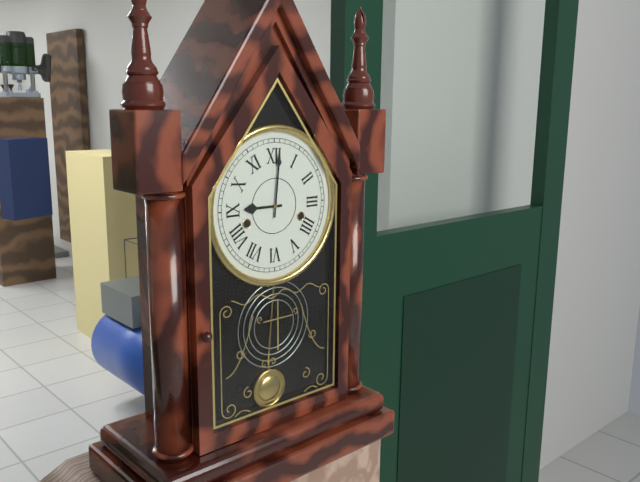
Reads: 9:01
